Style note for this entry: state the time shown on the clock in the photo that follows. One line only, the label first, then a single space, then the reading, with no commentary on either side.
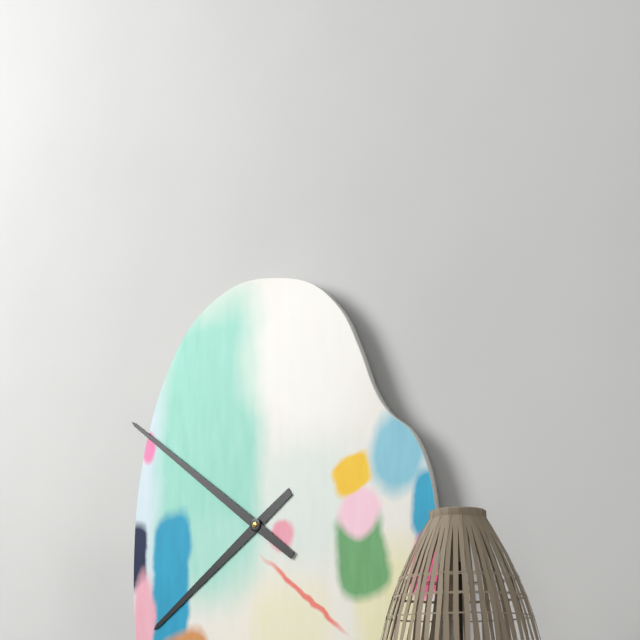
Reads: 7:51
